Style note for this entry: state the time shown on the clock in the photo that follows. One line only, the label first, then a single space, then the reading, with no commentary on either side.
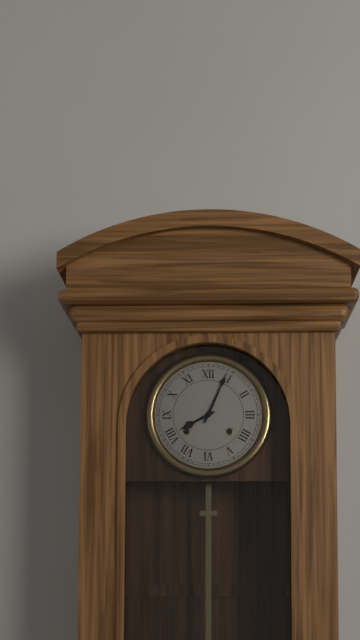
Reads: 8:04
